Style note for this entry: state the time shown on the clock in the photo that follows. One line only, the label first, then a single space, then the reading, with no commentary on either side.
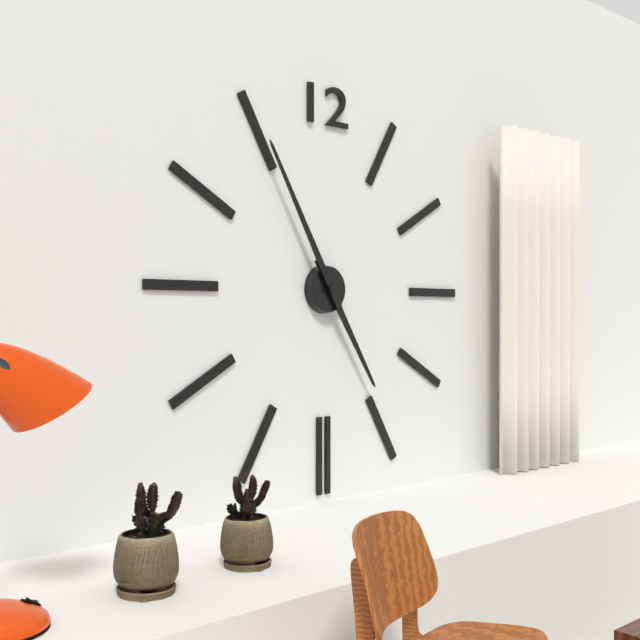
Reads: 4:55
